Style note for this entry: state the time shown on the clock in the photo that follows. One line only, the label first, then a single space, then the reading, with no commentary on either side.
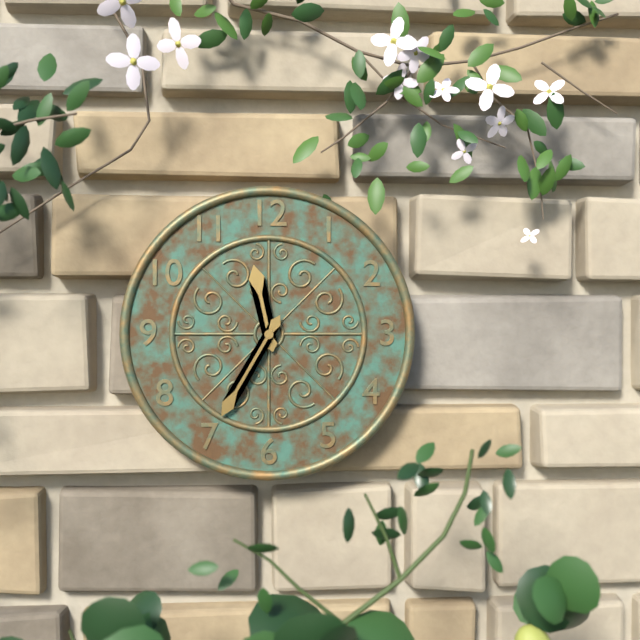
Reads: 11:35
